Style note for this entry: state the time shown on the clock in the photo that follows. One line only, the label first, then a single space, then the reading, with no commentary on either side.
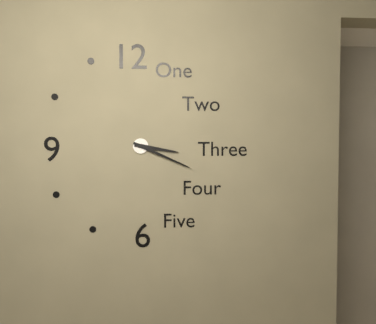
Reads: 3:19
